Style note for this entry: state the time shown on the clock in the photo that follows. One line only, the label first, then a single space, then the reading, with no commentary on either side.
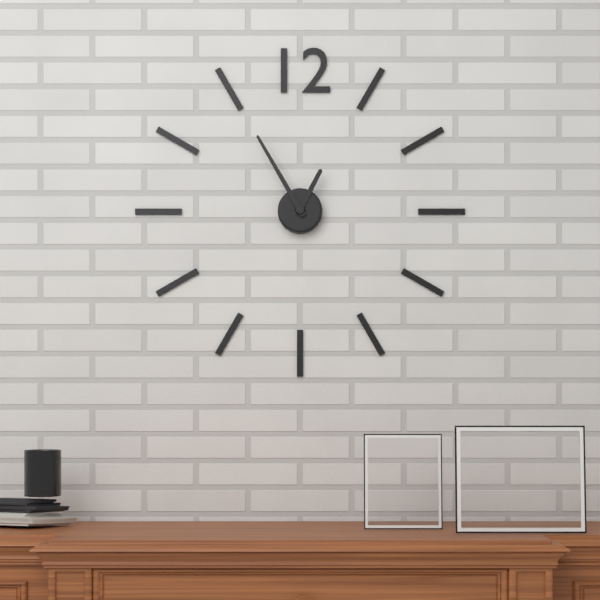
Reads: 12:55
